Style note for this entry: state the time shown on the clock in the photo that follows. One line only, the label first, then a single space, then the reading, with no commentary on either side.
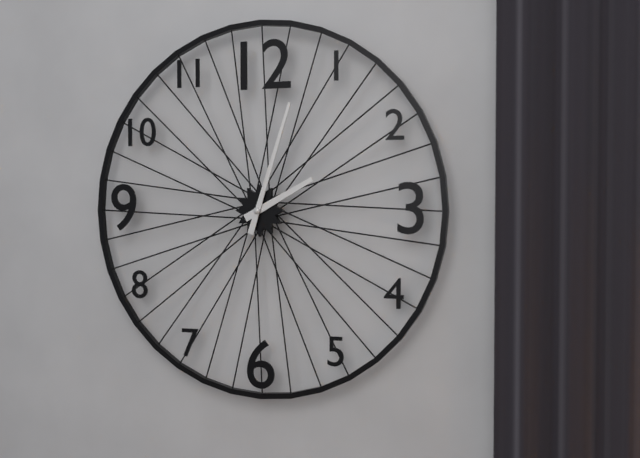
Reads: 2:03
